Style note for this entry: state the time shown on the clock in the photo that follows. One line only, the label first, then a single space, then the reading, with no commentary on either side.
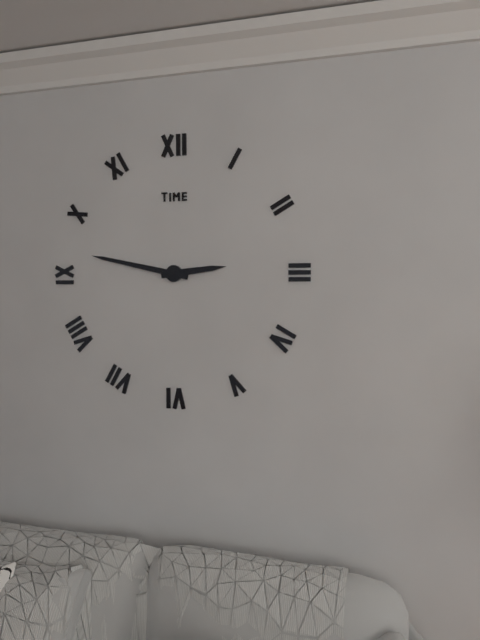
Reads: 2:47
